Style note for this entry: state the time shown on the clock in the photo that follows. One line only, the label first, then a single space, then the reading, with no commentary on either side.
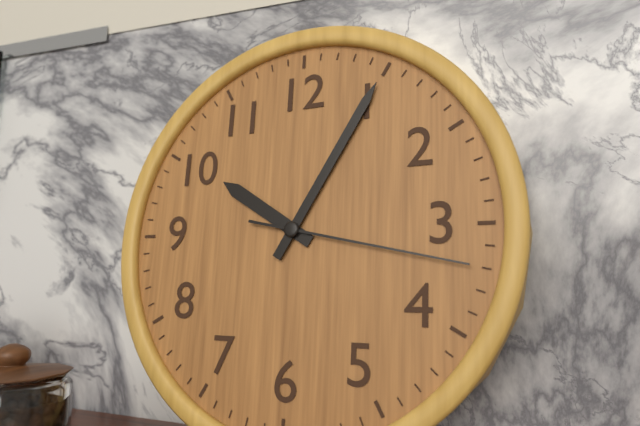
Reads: 10:05:17
